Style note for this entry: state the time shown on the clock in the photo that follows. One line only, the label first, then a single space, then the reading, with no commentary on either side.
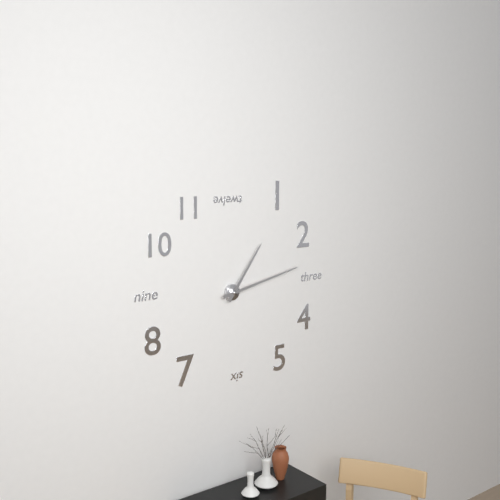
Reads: 1:13
